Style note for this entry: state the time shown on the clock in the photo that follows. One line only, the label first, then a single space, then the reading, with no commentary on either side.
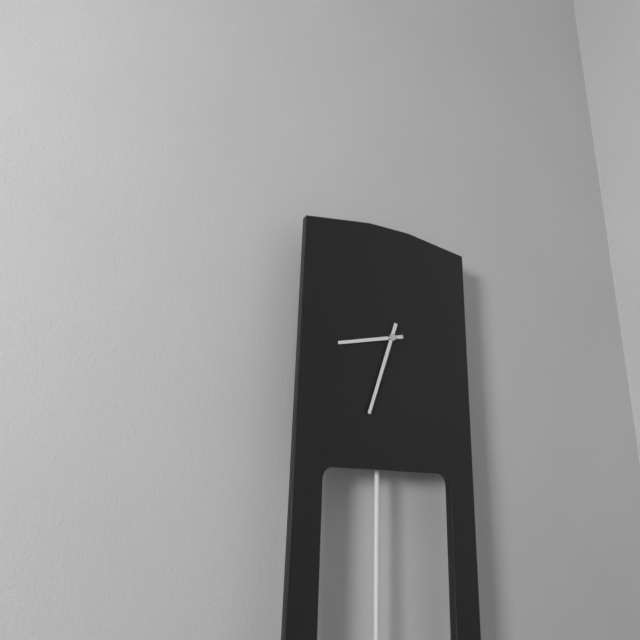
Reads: 8:33
